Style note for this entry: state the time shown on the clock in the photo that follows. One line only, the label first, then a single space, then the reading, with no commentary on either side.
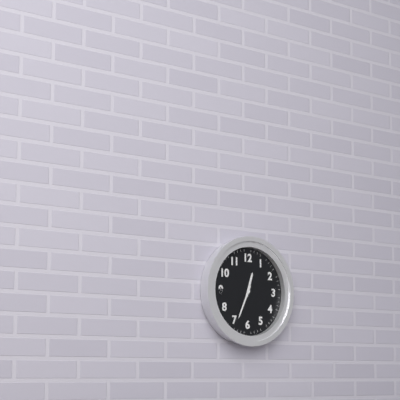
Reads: 12:34
